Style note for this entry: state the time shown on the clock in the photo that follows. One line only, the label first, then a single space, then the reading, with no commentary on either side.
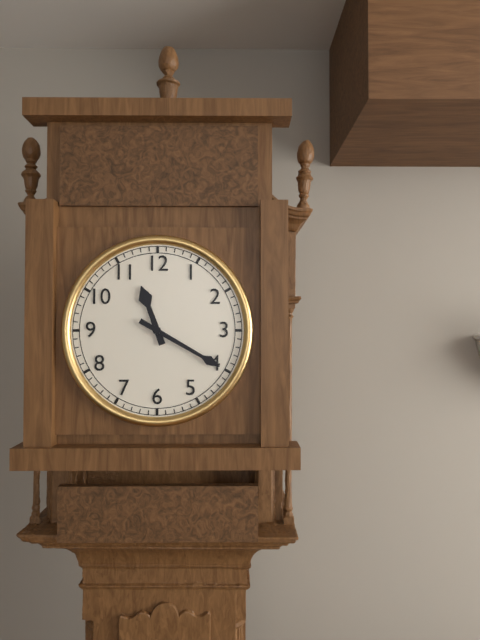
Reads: 11:20
